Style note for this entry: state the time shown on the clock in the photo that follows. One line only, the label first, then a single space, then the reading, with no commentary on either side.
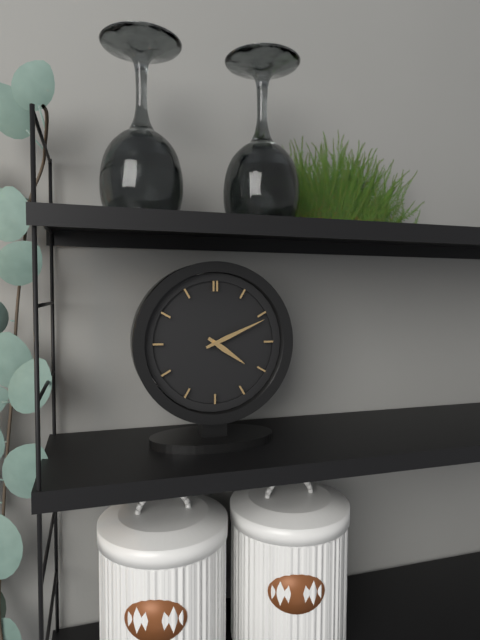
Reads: 4:11
